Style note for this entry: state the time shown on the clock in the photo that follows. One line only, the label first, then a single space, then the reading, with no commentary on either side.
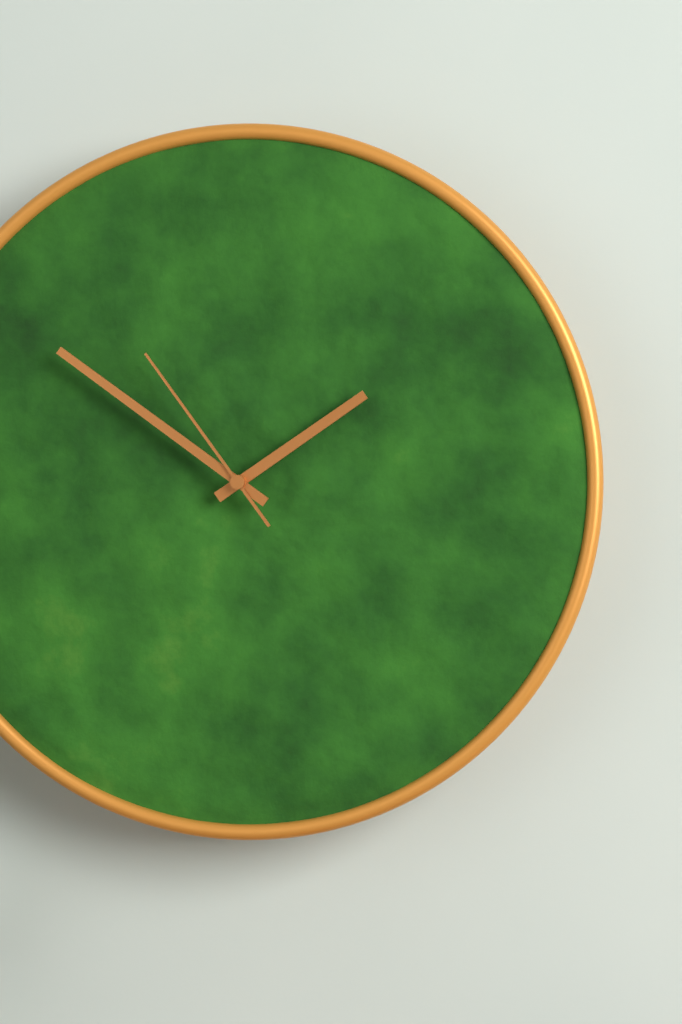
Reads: 1:51:54
